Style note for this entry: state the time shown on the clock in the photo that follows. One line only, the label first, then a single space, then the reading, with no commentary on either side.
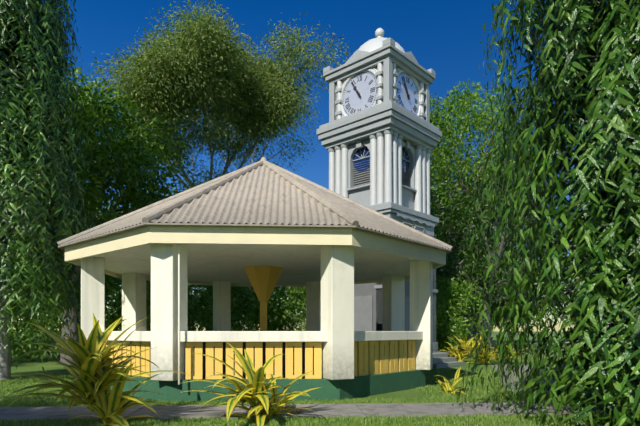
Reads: 10:55
